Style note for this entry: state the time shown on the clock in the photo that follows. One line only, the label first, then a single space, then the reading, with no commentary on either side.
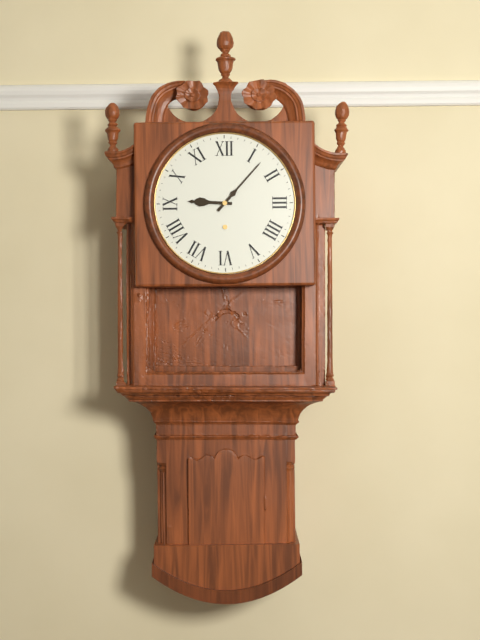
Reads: 9:07
